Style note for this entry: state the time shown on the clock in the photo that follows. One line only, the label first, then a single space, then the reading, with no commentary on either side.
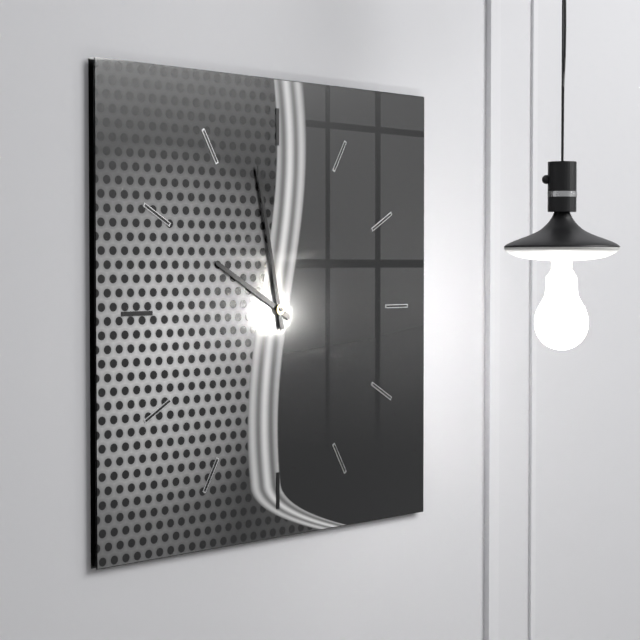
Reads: 9:58
